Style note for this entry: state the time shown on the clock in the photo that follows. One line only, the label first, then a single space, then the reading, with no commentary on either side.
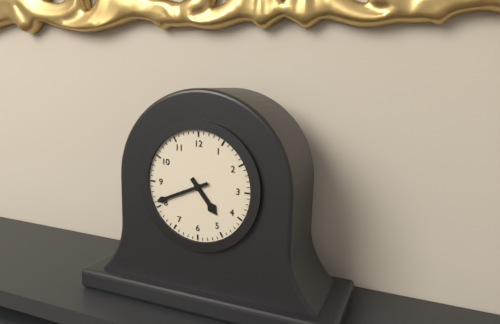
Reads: 4:41
